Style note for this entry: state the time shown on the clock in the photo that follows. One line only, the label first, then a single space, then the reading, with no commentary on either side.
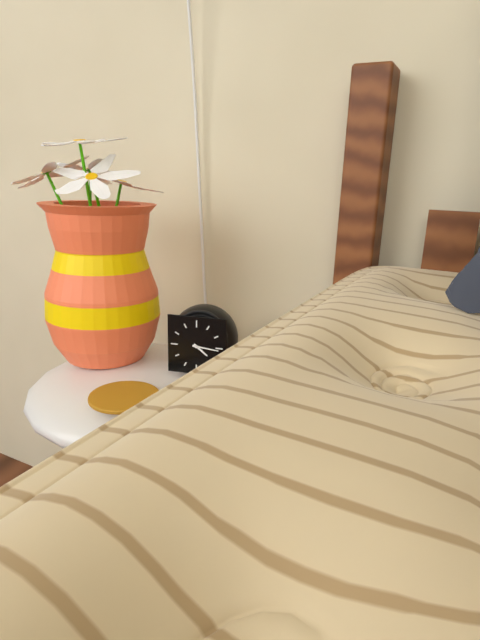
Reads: 4:16
